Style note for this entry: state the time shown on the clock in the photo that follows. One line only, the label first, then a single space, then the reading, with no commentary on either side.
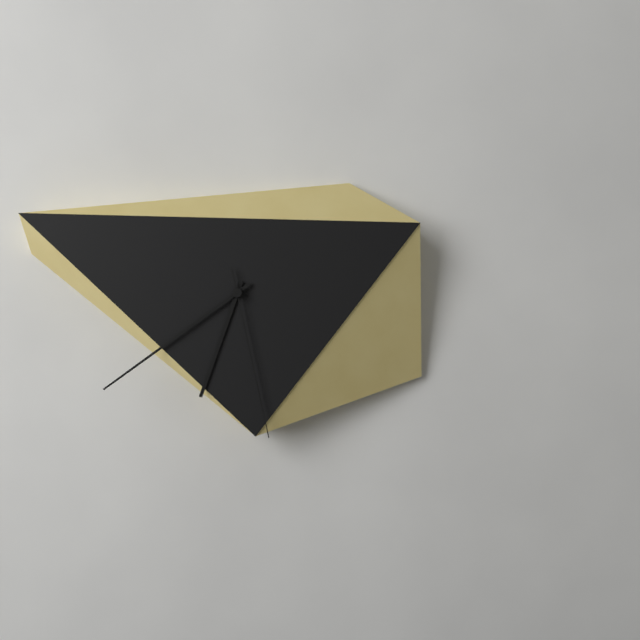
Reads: 6:39:28
